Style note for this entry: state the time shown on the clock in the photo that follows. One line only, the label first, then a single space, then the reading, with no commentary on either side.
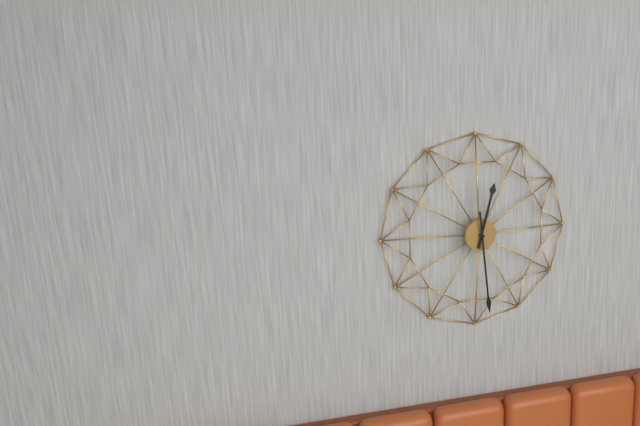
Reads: 12:29
